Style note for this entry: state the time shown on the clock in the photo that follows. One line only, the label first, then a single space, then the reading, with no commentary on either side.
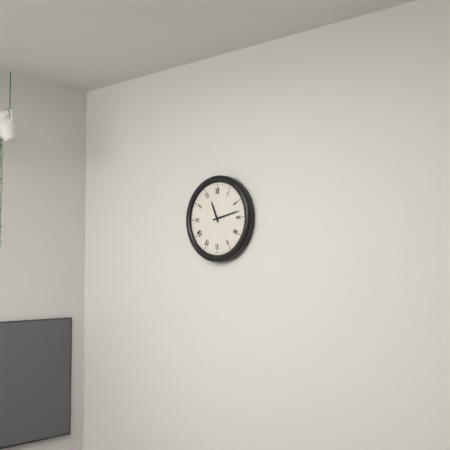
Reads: 11:13
